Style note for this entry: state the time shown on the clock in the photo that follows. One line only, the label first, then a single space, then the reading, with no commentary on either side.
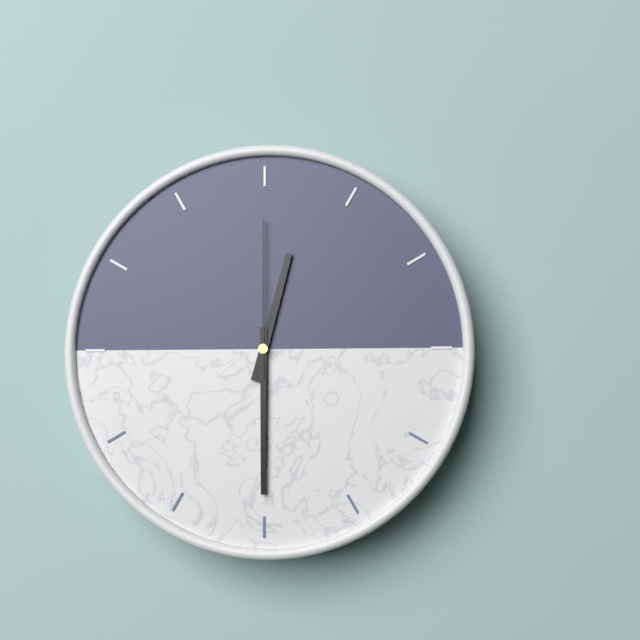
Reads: 12:30:00
